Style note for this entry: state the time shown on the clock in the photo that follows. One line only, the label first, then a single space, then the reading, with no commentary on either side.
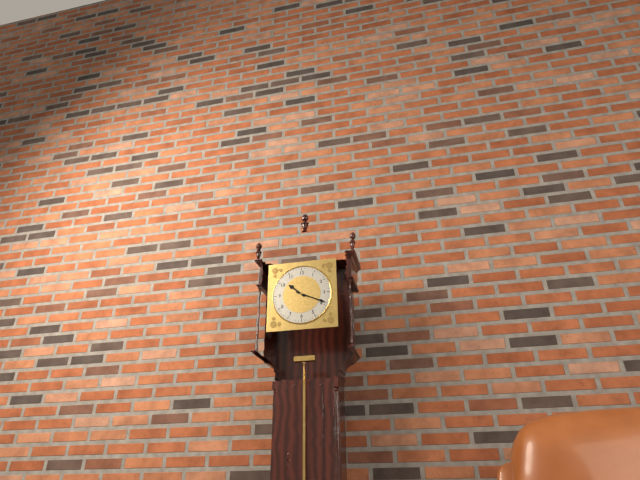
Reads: 10:19
